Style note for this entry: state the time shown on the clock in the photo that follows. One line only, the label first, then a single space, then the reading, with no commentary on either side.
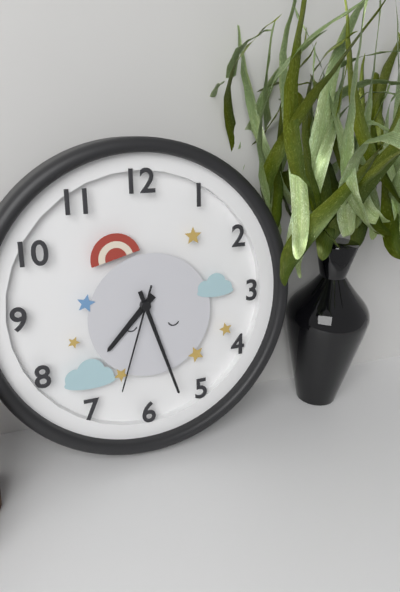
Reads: 7:27:33
